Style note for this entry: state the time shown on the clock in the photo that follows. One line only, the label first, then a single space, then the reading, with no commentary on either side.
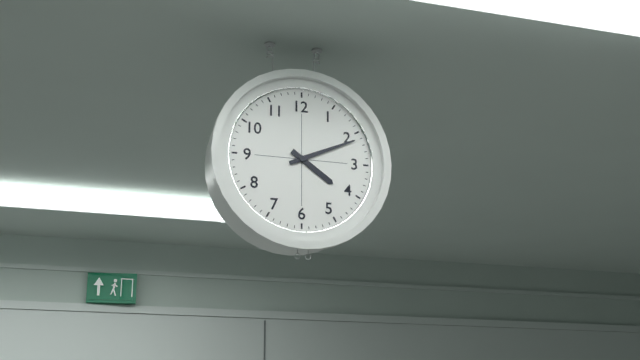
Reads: 4:11
